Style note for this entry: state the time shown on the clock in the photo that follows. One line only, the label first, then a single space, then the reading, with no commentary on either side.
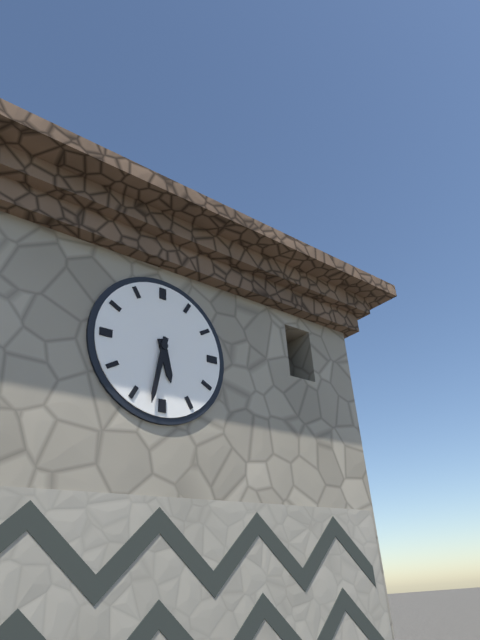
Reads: 5:32
